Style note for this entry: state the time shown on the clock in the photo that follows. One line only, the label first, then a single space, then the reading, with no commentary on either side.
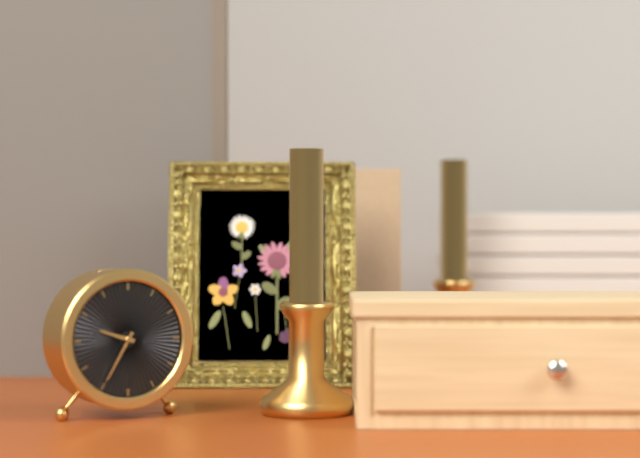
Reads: 9:35
